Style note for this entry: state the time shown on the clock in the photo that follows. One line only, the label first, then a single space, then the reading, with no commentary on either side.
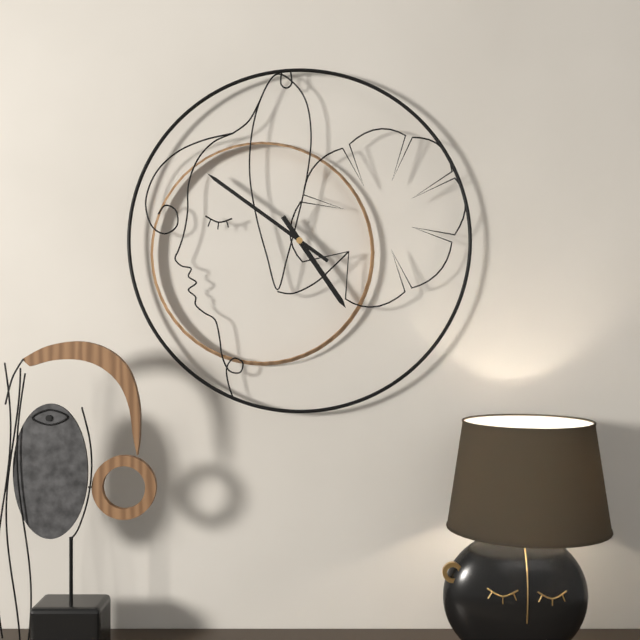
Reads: 4:51
